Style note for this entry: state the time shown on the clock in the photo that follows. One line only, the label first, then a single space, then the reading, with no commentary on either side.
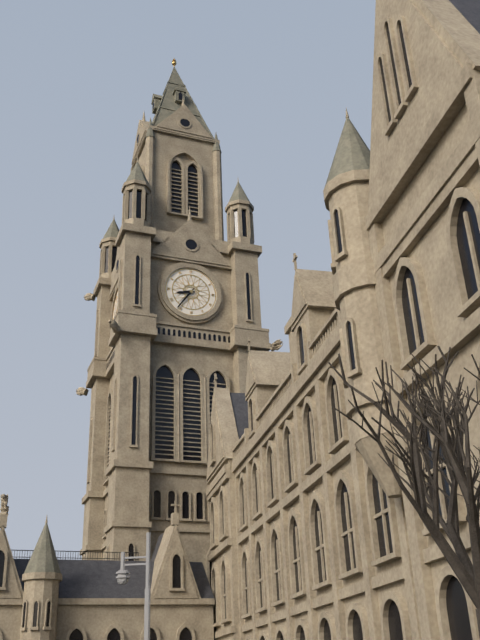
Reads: 8:36
